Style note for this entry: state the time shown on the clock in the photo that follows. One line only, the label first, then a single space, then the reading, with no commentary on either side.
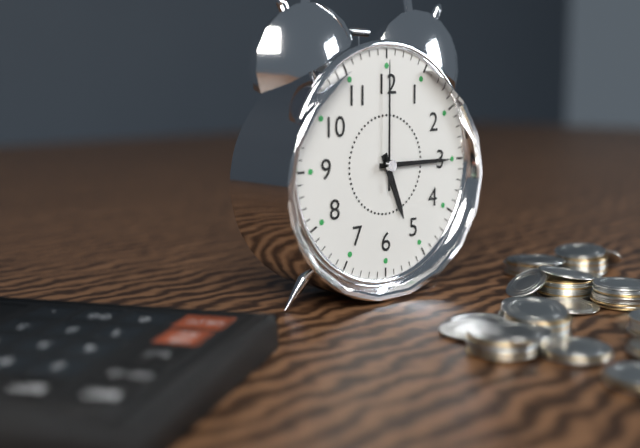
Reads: 5:15:00
